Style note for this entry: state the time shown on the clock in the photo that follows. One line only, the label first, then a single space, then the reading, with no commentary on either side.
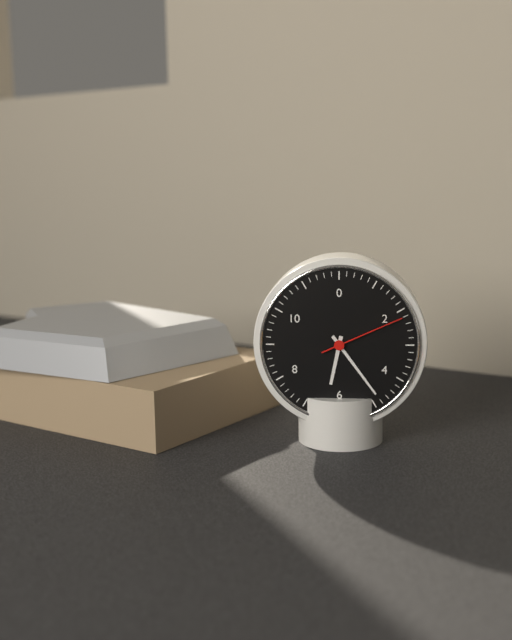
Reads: 6:24:11
